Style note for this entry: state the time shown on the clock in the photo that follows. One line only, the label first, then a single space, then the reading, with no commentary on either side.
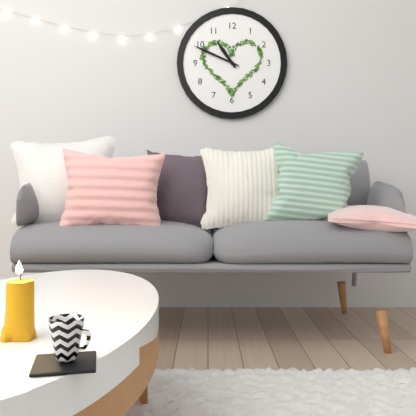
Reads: 10:49
